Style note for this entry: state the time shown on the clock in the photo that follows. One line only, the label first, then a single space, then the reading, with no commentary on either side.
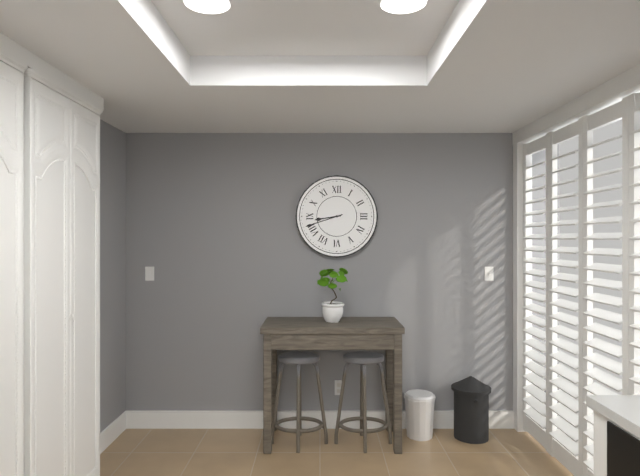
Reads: 8:42
